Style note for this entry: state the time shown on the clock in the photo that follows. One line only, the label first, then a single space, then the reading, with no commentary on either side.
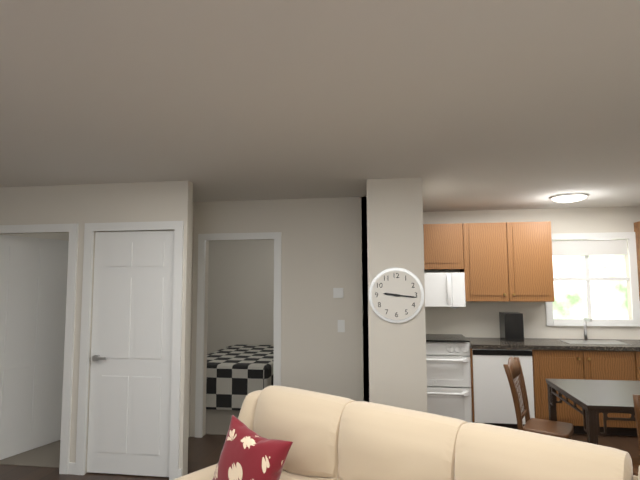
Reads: 9:16
